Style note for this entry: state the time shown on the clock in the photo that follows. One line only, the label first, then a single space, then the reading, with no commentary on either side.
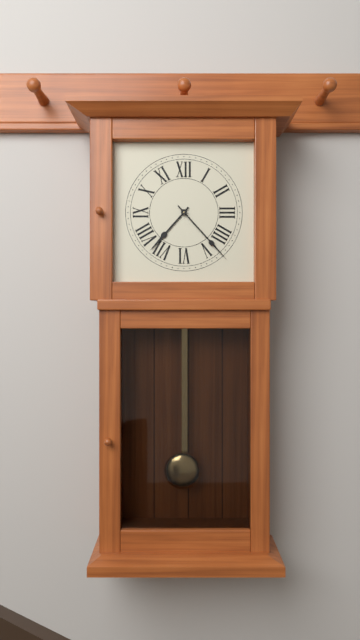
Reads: 7:23
